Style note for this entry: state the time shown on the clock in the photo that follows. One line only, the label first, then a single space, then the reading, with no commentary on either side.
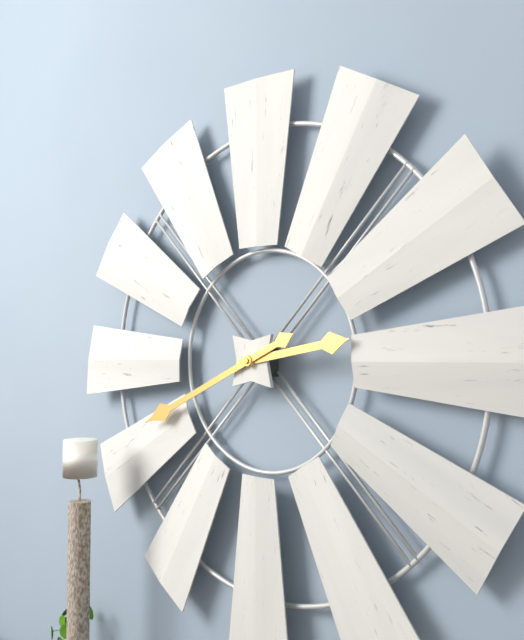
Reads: 2:41
